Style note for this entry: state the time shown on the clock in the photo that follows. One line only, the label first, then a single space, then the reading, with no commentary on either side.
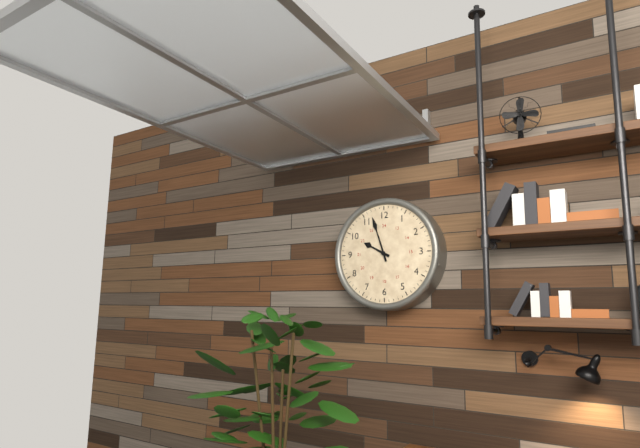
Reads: 9:57
